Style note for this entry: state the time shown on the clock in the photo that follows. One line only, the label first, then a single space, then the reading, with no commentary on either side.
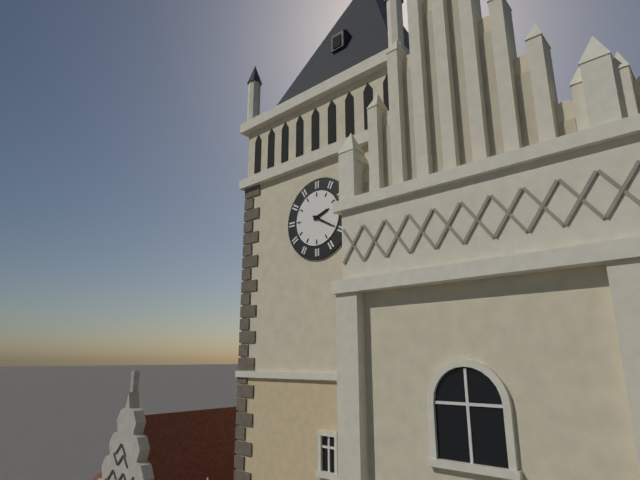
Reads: 2:20
